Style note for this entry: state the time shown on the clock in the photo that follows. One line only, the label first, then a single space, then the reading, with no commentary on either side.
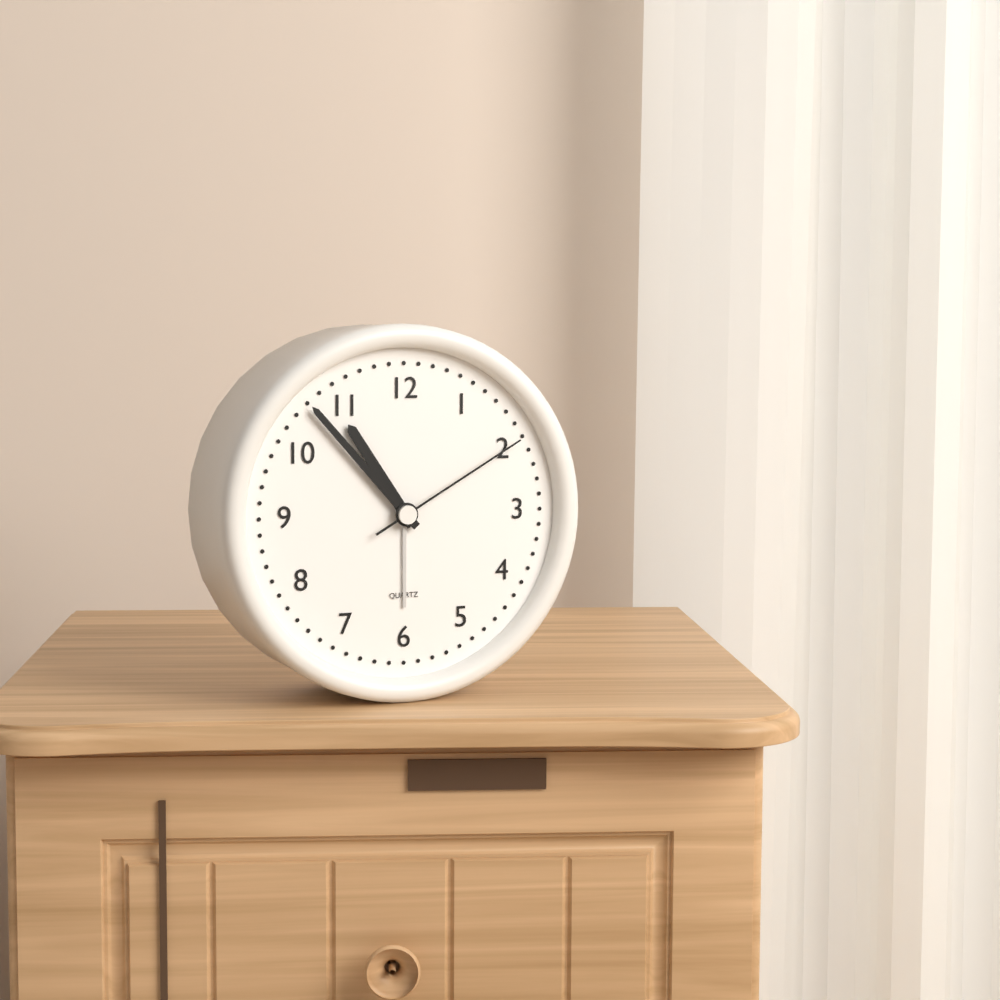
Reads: 10:53:10
